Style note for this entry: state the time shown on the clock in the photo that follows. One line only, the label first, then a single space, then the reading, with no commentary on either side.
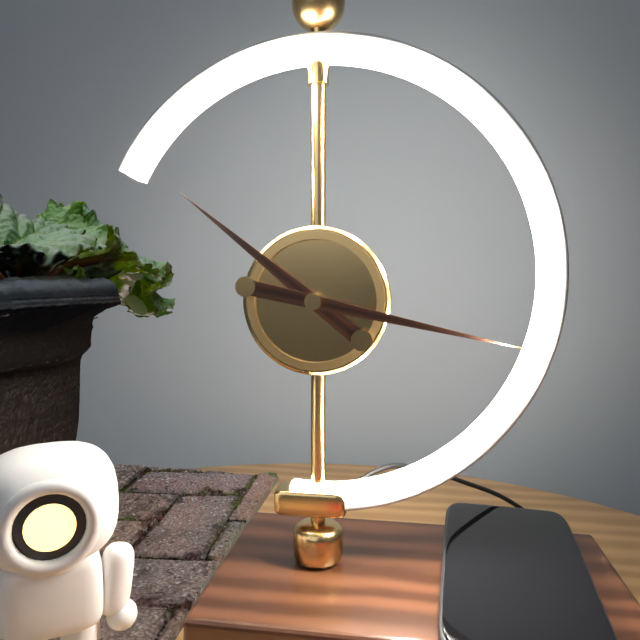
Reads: 10:17
